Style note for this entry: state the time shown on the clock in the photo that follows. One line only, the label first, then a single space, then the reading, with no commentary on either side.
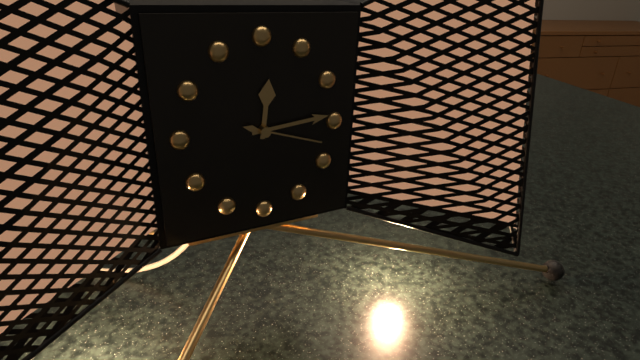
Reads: 12:14:18
